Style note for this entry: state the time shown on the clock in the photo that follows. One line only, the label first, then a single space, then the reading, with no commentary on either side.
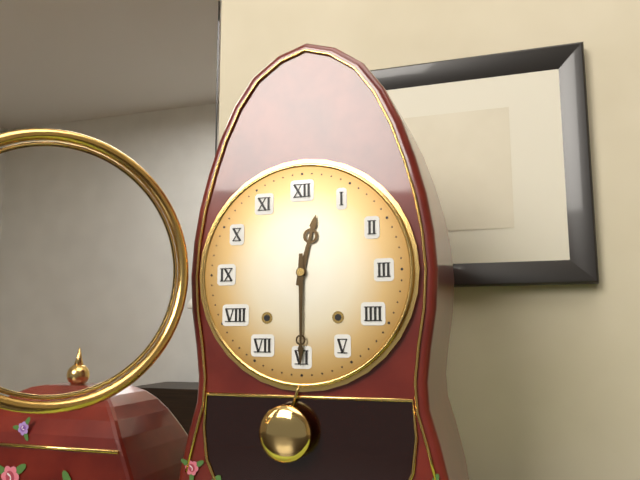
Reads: 12:30
